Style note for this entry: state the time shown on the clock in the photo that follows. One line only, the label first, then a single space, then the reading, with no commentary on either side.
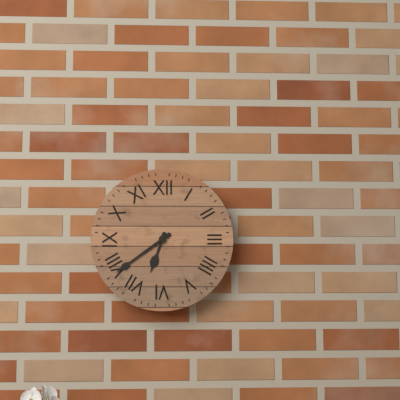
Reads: 6:39
